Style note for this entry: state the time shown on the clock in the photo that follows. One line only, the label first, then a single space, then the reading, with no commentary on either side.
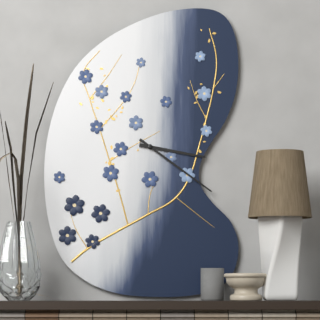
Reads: 3:21
